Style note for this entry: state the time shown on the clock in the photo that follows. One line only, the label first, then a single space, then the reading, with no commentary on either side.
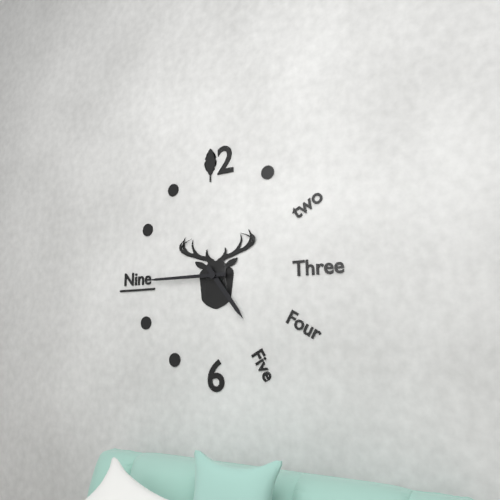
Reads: 4:45
